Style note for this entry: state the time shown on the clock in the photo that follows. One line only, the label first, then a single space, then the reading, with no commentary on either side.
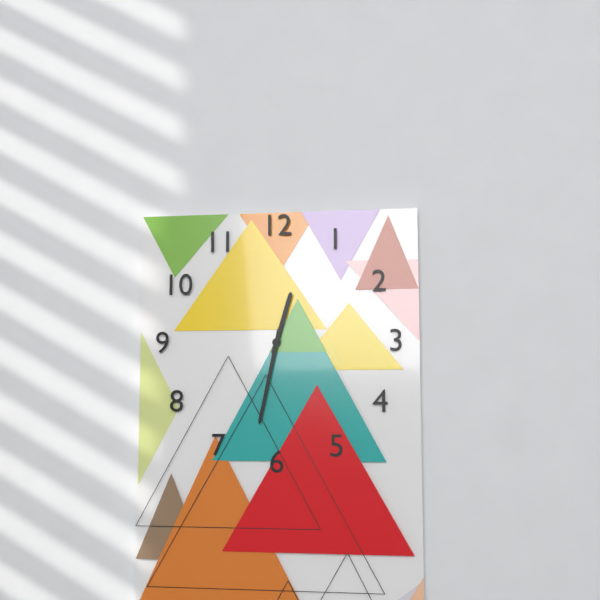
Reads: 12:32
